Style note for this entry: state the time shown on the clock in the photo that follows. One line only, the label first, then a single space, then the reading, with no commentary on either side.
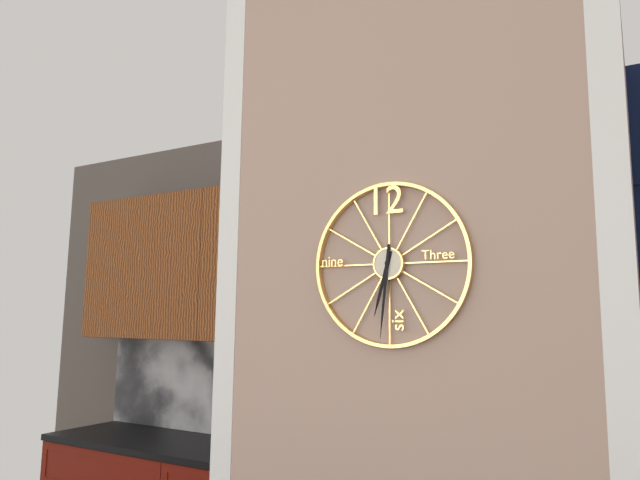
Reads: 6:31
